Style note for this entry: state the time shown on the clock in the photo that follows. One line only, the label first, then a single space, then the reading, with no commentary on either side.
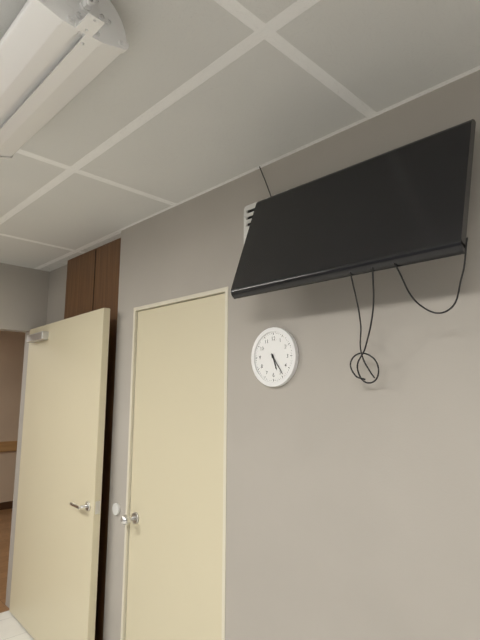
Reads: 5:24
